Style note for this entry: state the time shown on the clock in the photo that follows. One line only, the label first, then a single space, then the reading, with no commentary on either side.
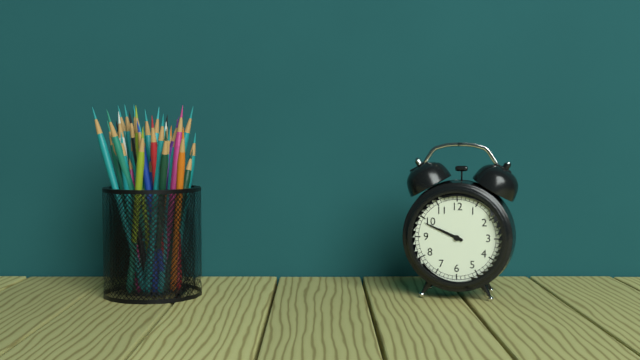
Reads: 9:49
